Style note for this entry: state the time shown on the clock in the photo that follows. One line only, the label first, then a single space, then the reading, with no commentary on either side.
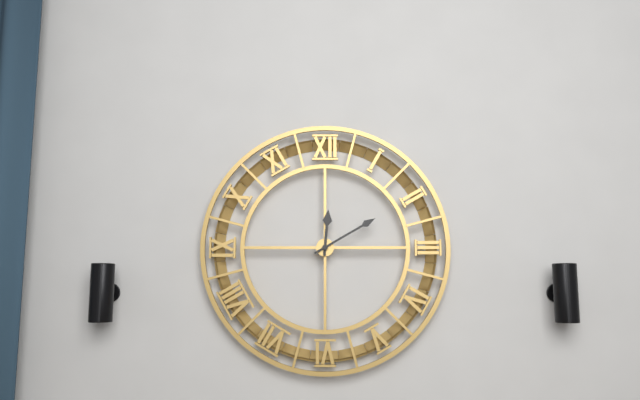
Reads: 12:10
